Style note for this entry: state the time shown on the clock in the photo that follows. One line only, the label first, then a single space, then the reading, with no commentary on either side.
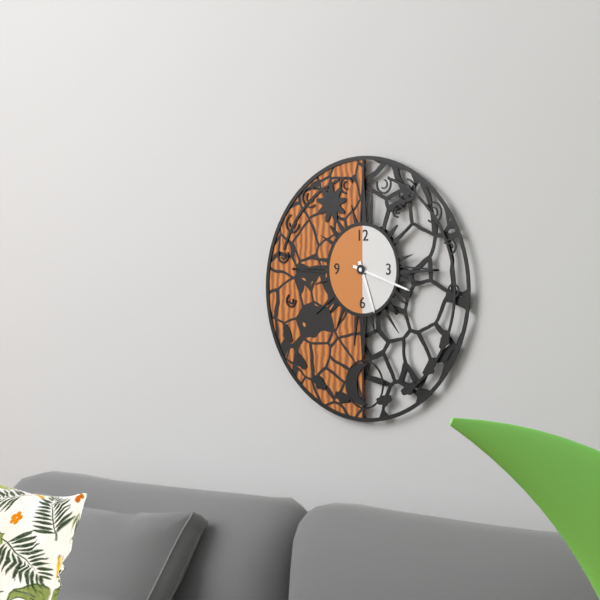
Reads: 5:18
